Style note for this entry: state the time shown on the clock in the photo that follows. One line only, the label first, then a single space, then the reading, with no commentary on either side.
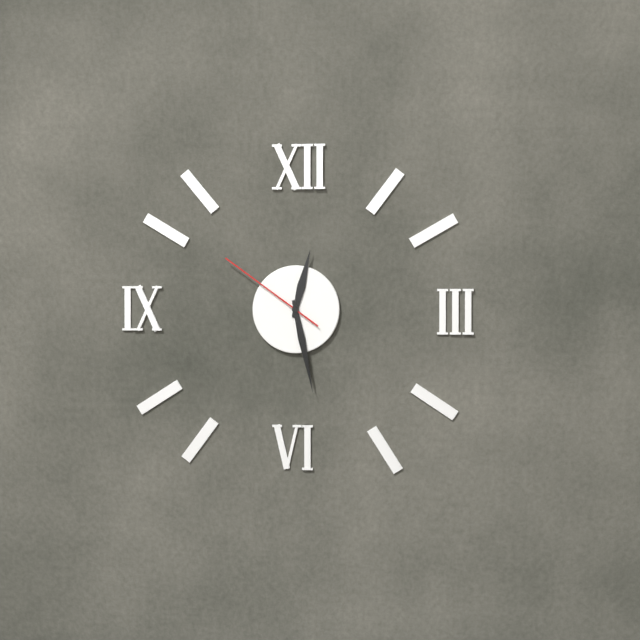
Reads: 12:28:51
